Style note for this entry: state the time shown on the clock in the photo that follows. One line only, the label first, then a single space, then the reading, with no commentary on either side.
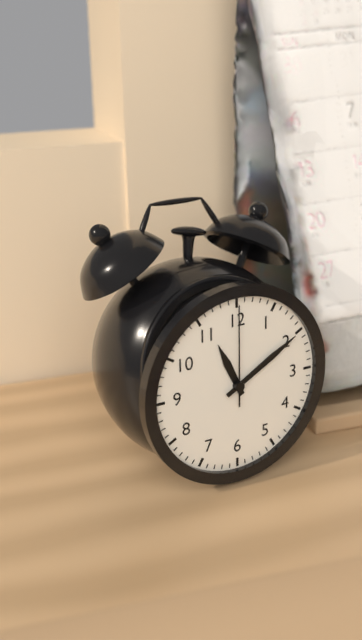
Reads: 11:10:00
